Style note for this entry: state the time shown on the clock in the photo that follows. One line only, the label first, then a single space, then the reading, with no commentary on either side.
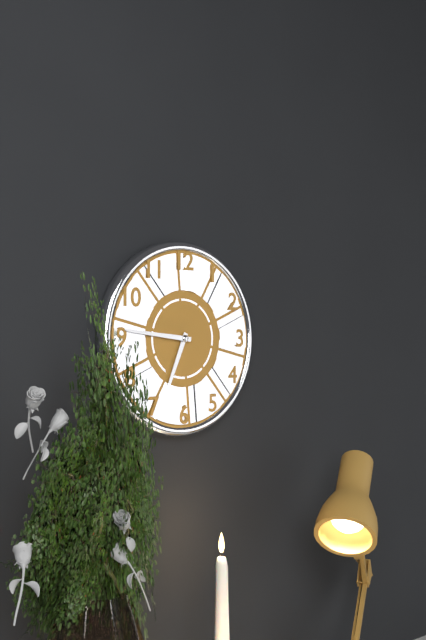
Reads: 6:46
